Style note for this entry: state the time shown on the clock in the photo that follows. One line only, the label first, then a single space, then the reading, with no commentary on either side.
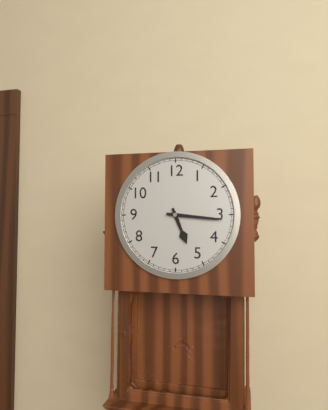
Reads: 5:16
